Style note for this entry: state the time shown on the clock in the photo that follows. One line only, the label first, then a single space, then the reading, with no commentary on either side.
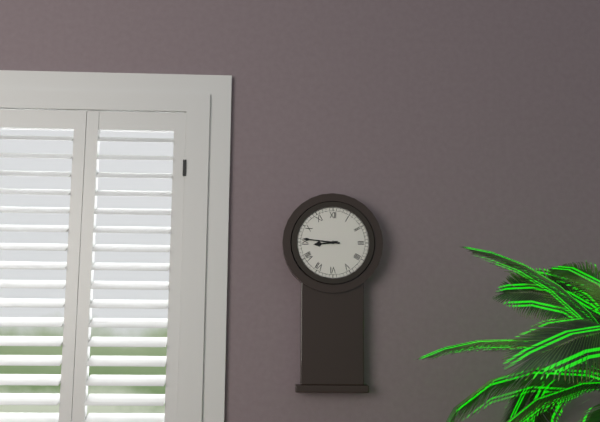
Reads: 8:46
